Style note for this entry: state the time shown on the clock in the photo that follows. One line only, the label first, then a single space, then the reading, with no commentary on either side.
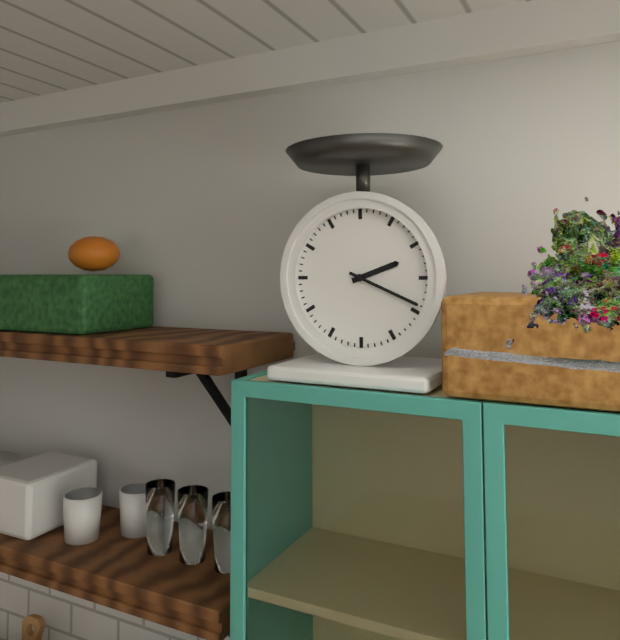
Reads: 2:19
